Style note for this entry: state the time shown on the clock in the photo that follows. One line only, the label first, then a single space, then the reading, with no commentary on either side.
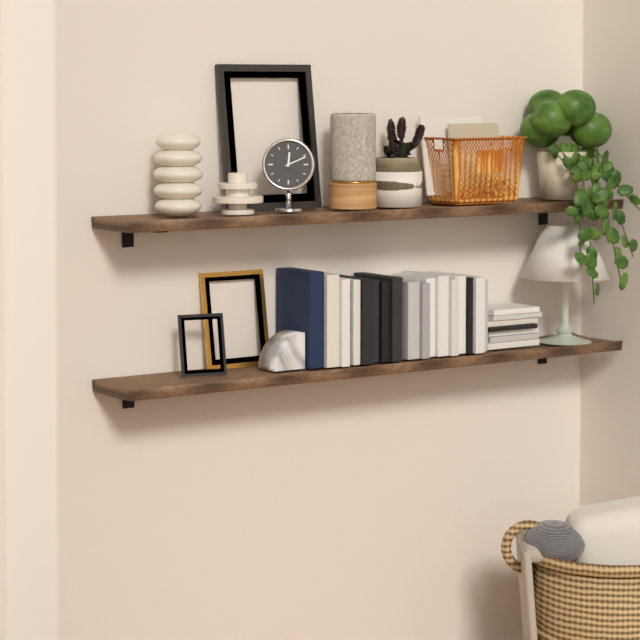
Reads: 12:11
